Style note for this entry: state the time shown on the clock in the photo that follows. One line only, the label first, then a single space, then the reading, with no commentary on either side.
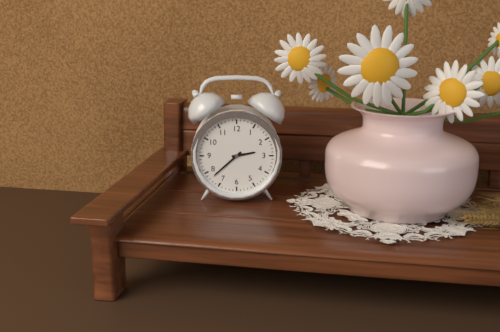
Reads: 2:38
